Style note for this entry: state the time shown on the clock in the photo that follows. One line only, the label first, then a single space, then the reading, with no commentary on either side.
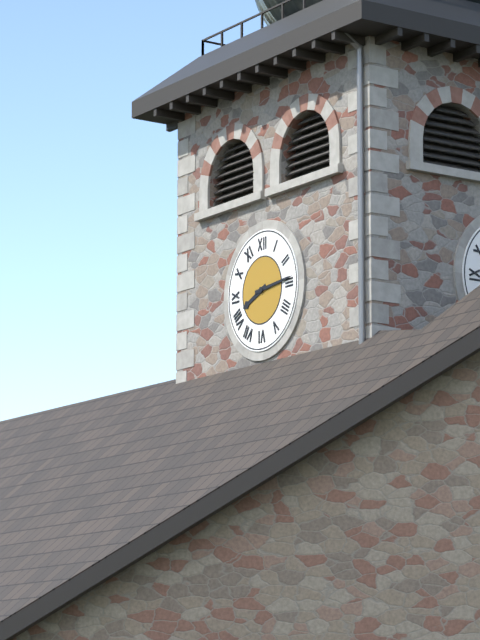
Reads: 8:14
